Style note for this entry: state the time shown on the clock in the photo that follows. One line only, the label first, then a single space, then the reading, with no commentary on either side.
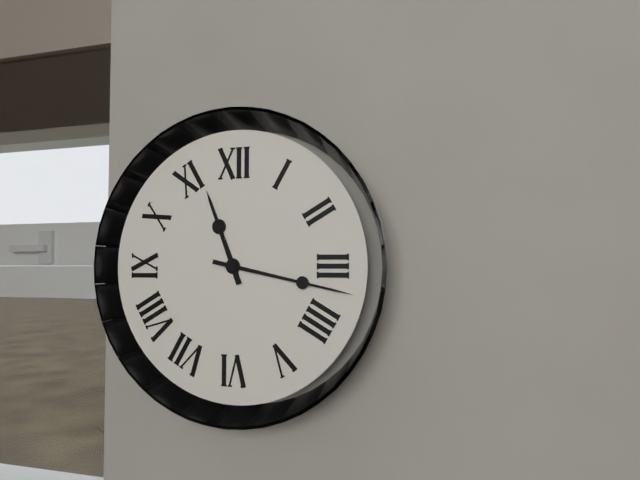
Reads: 11:17
